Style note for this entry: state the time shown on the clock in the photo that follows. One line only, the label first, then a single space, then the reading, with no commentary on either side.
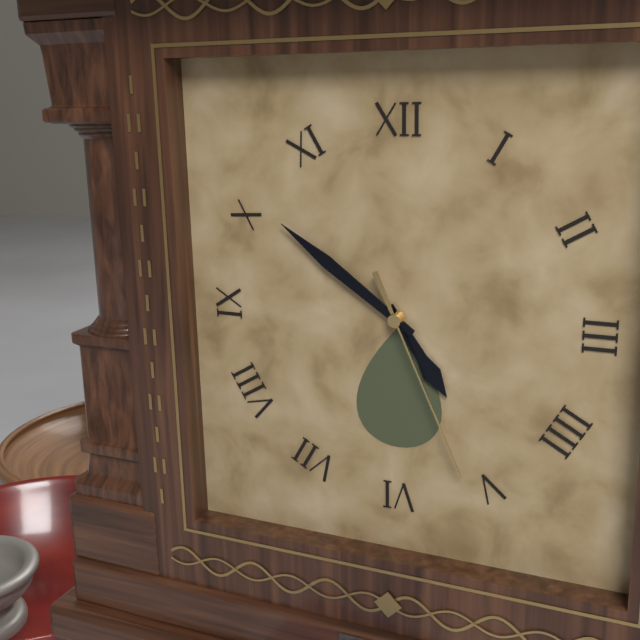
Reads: 4:51:26
